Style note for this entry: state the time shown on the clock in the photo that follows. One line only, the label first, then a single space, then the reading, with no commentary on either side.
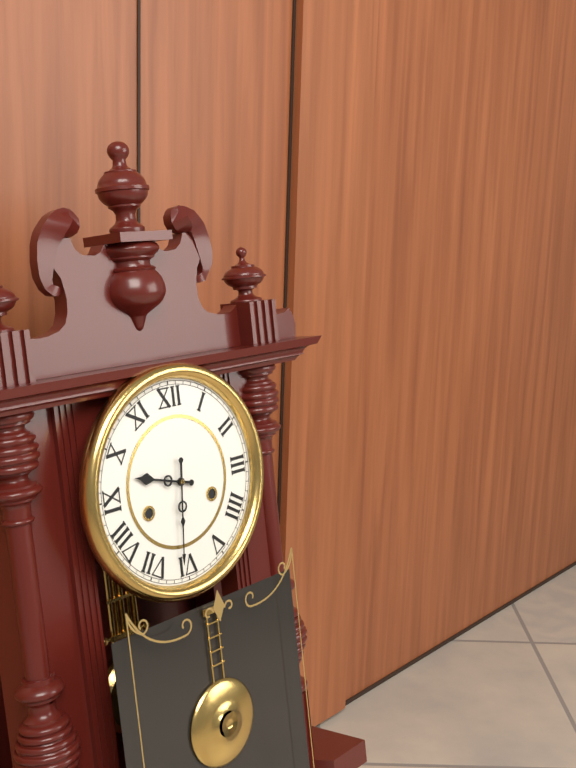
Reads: 9:31
